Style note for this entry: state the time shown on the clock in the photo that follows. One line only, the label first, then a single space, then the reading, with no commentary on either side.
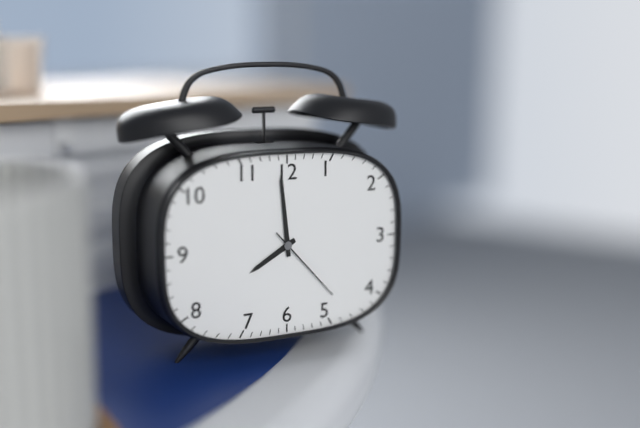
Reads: 7:59:23
